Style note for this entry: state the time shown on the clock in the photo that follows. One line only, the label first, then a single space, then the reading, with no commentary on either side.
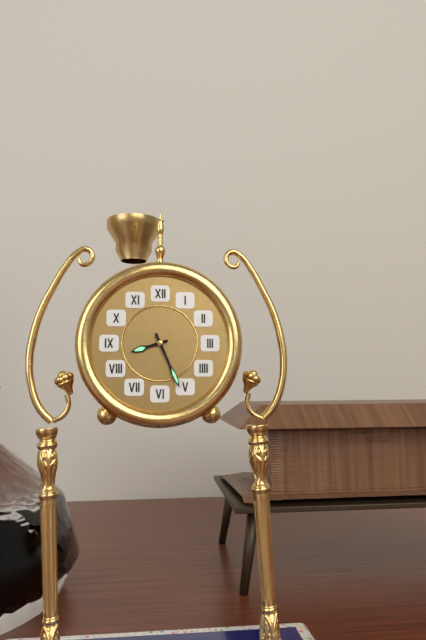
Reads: 8:26
